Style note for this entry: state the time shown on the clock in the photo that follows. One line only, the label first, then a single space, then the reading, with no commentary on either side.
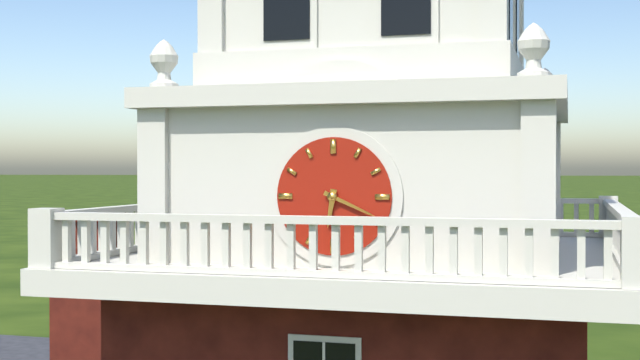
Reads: 6:19
